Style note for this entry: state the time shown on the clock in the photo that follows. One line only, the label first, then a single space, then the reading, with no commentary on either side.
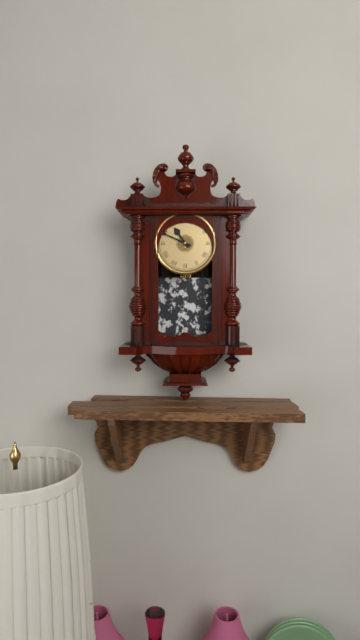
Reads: 10:49
